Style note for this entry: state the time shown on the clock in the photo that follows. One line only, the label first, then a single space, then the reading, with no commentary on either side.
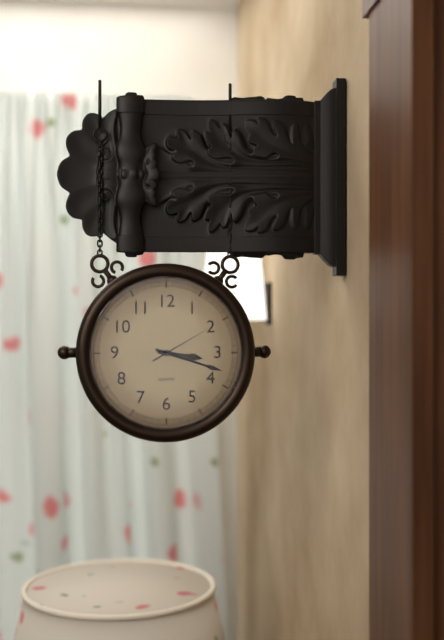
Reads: 3:18:10
